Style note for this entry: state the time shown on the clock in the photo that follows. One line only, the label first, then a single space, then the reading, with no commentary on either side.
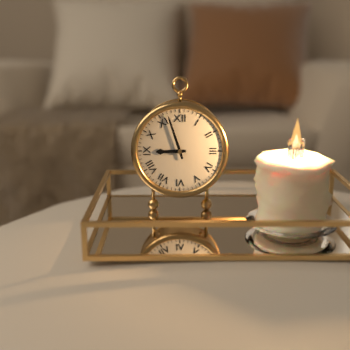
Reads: 8:57
